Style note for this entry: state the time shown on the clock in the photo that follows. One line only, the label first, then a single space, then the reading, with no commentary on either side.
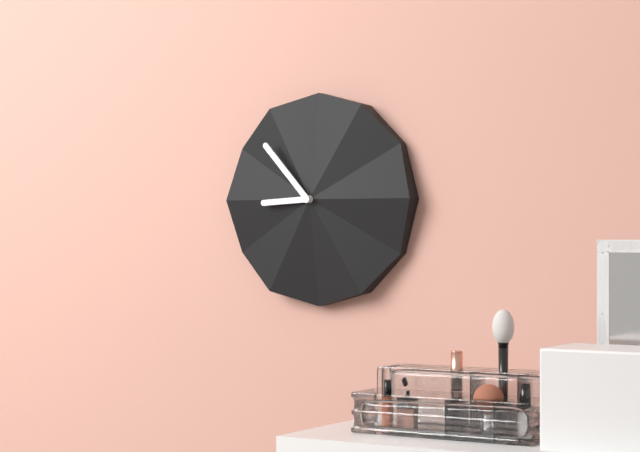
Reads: 8:53
